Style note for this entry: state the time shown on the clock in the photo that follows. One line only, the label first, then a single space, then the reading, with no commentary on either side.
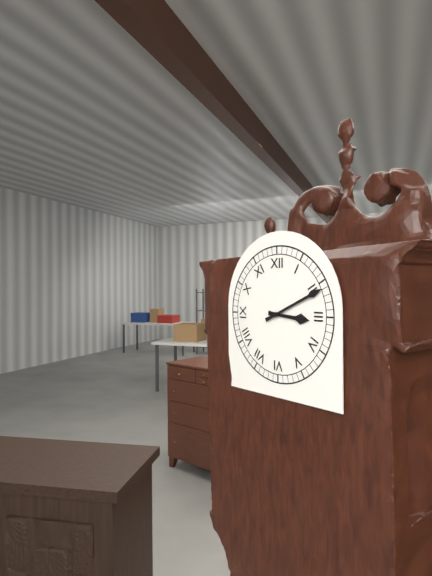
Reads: 3:11
